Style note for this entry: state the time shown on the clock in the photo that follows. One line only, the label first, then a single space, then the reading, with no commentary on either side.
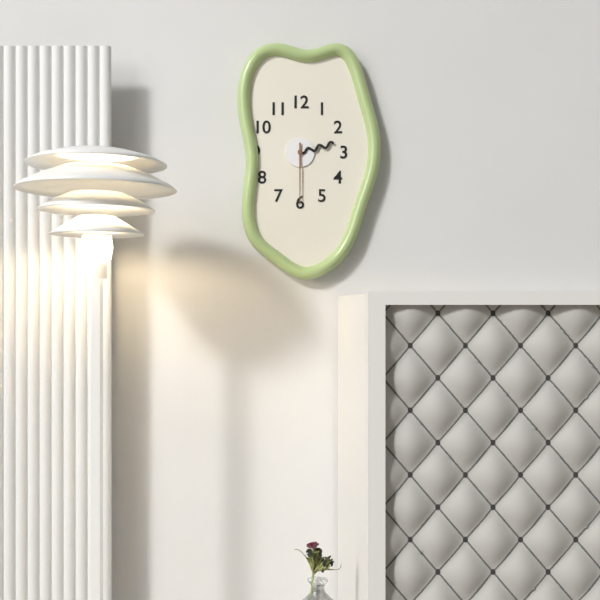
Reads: 2:30
